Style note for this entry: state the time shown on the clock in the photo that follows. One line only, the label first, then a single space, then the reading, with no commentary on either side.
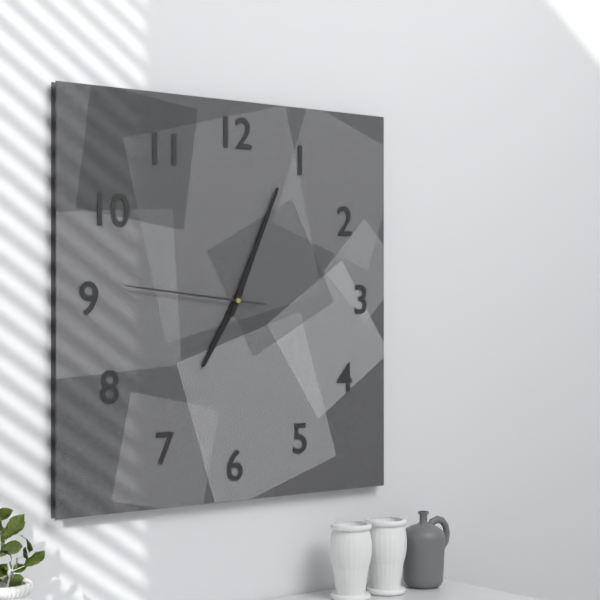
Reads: 7:04:46
